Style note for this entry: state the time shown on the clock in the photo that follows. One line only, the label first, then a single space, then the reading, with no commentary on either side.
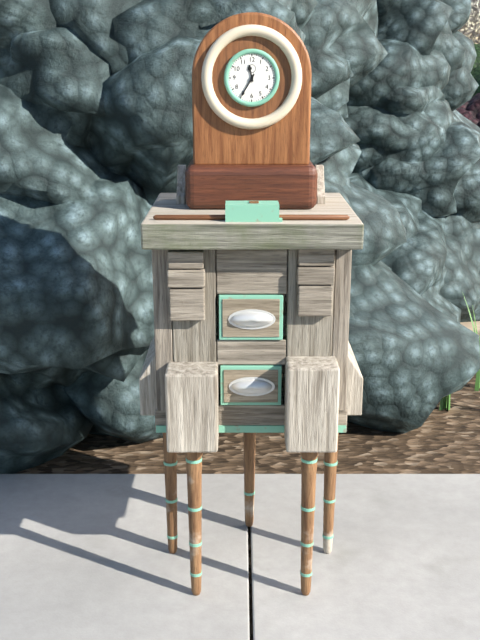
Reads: 11:35
